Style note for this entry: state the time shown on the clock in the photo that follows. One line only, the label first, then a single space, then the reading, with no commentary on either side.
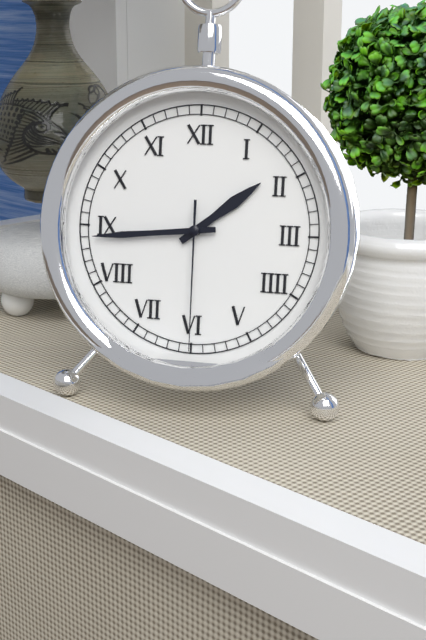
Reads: 1:44:30
